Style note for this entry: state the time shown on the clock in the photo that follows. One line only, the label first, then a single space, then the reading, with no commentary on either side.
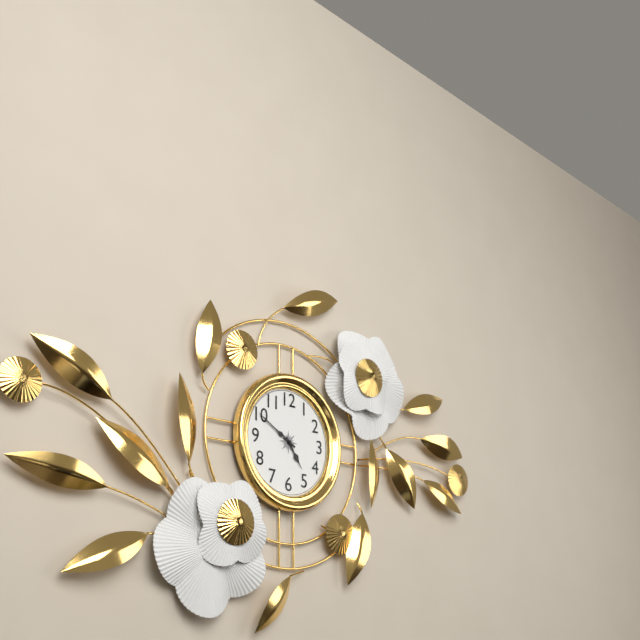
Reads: 4:50
